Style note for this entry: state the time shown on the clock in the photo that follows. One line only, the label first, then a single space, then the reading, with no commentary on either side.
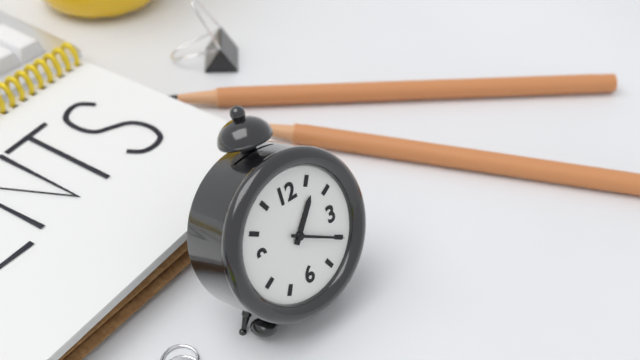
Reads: 1:20
